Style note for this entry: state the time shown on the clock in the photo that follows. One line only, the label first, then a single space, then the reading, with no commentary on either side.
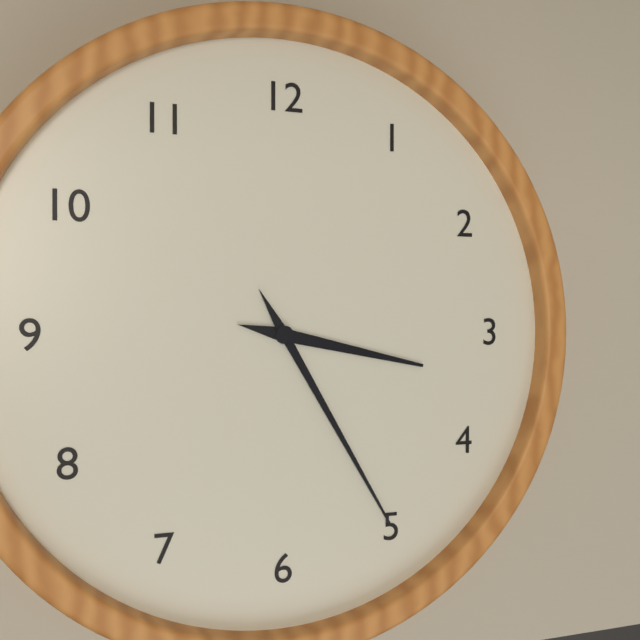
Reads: 3:25
